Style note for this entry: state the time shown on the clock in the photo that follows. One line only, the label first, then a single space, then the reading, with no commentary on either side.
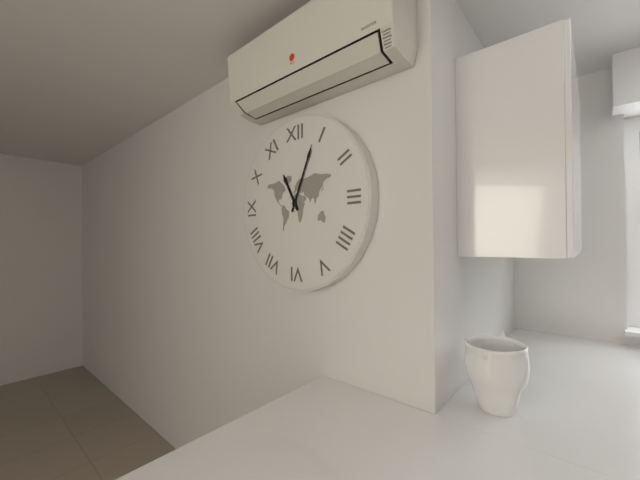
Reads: 11:04
